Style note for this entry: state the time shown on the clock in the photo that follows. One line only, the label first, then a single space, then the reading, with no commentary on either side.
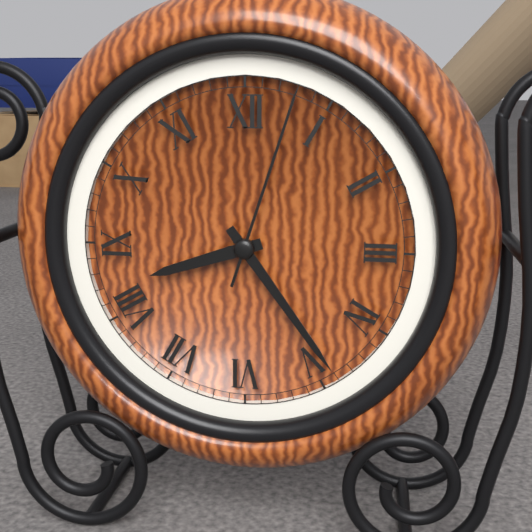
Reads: 8:24:03
